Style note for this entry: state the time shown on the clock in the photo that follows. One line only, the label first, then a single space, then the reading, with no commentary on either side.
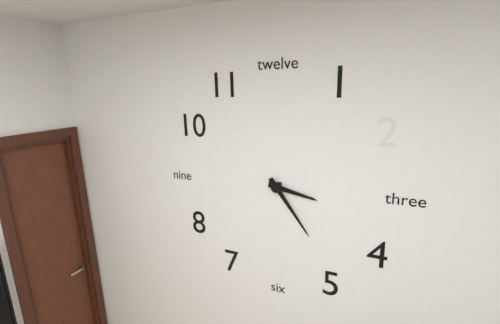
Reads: 3:24
